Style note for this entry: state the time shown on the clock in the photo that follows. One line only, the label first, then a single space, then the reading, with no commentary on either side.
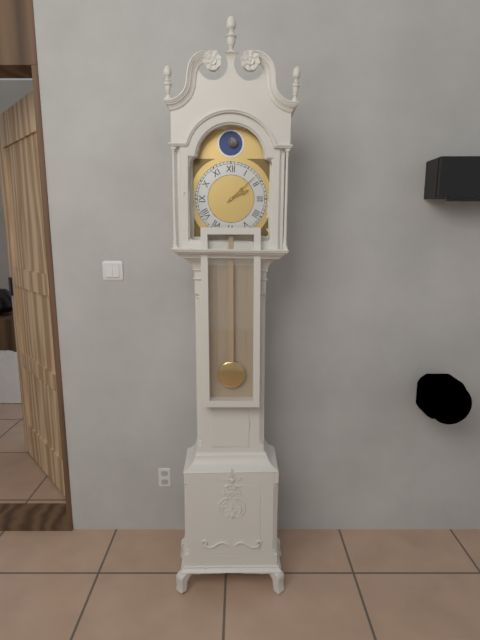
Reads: 2:08
